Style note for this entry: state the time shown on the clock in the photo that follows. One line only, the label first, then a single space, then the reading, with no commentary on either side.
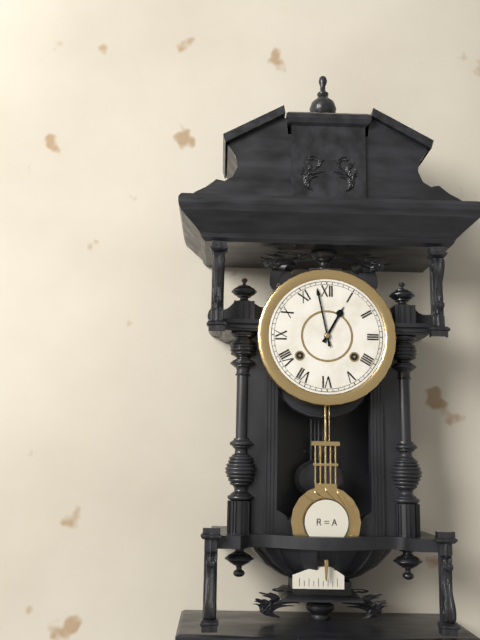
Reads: 12:58
